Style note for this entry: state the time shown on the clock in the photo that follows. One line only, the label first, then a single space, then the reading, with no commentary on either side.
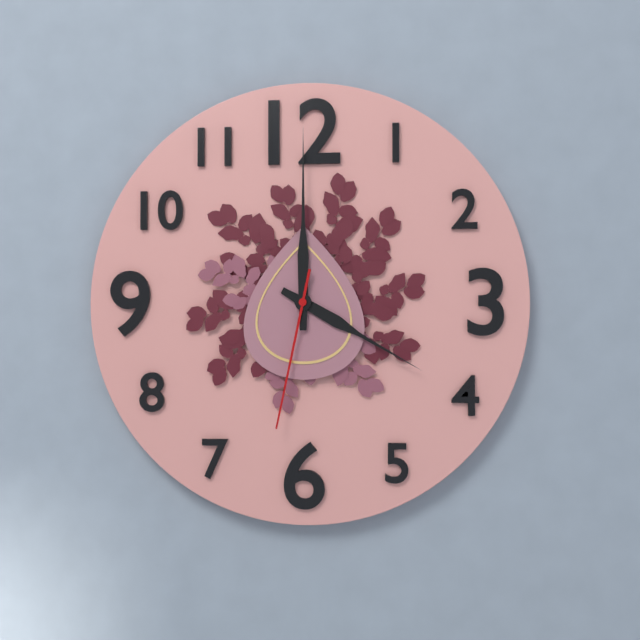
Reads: 4:00:32
